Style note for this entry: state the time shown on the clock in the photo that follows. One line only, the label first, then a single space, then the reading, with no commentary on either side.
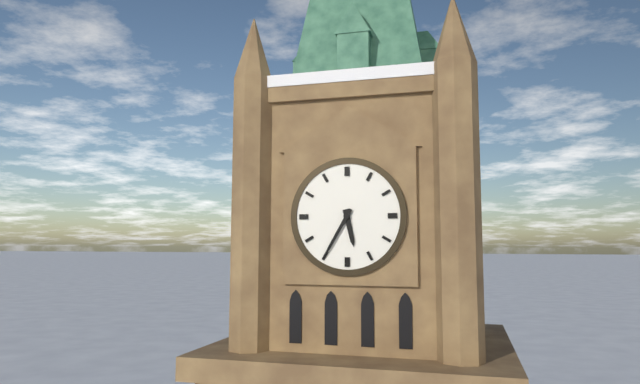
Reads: 5:35
